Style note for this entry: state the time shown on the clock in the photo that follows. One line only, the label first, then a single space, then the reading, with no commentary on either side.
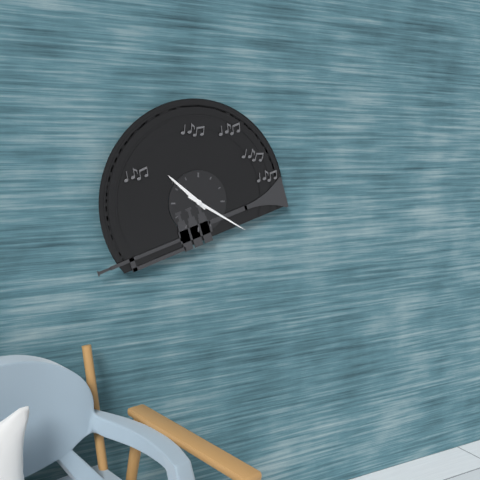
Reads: 10:20
